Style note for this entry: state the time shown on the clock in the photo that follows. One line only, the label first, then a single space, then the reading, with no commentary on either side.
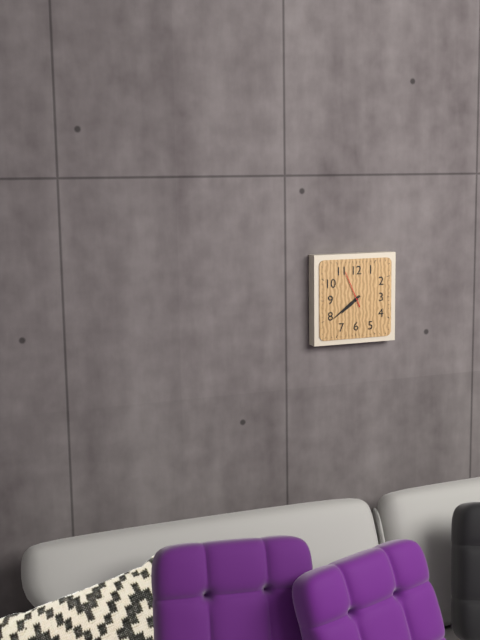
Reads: 7:39
